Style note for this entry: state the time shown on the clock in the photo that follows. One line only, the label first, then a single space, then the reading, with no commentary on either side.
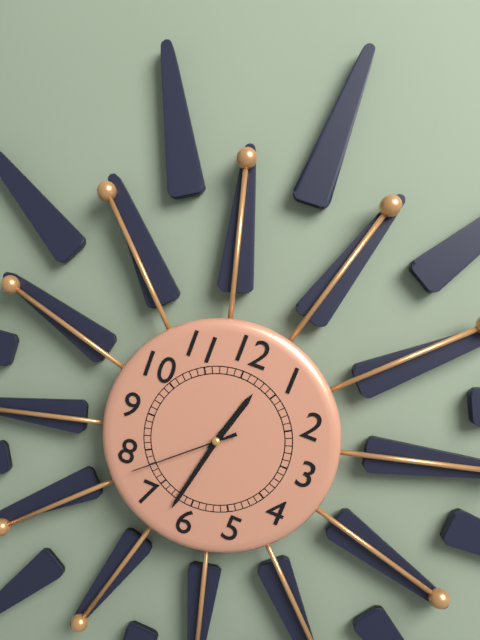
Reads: 12:32:38
